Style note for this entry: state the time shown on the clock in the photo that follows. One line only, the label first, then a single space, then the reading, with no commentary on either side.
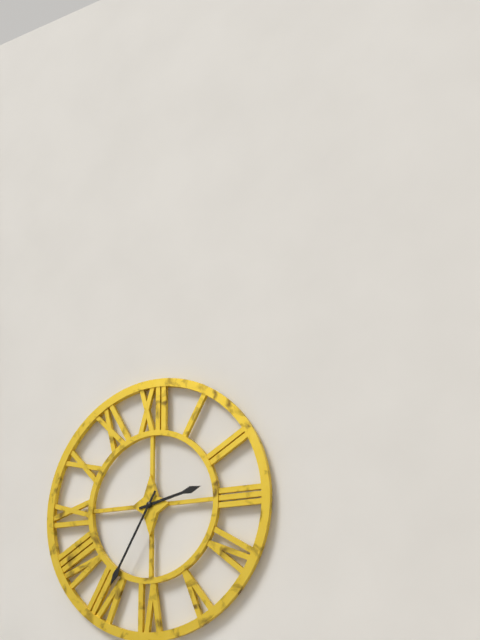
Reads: 2:35
